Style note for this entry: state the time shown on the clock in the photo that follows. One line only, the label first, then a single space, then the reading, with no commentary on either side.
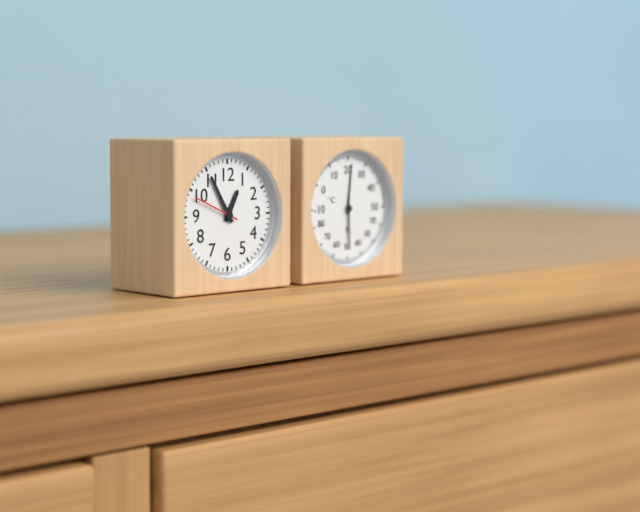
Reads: 12:55:49
